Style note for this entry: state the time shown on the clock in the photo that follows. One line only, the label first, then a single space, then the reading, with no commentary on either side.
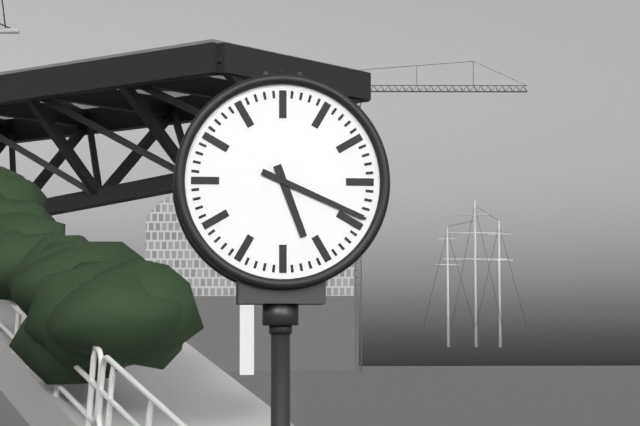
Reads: 5:19
